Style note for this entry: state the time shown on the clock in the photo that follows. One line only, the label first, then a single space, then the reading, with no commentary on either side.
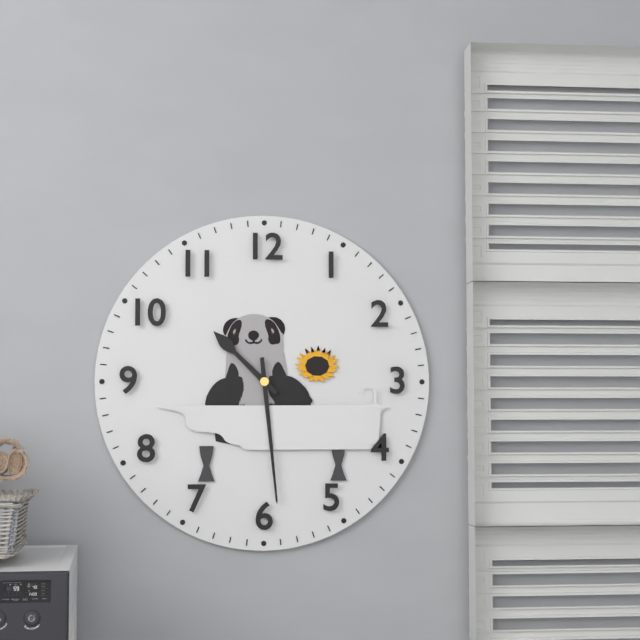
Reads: 10:29
